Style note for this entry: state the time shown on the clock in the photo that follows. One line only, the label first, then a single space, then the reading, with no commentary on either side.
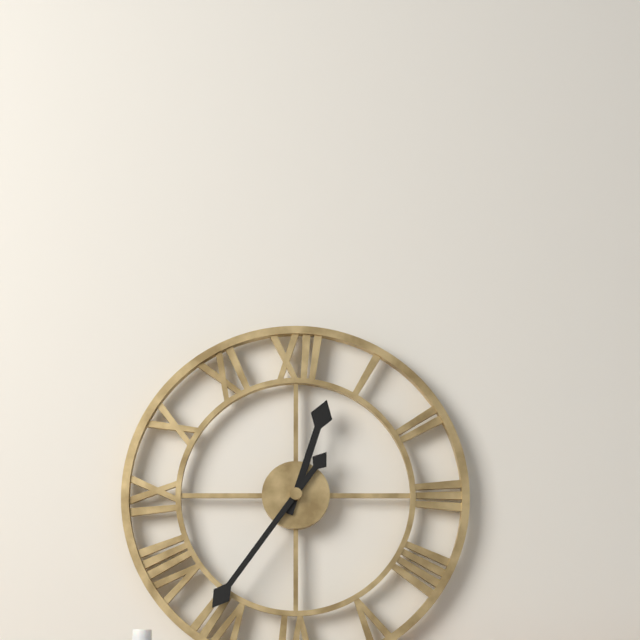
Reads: 12:36
